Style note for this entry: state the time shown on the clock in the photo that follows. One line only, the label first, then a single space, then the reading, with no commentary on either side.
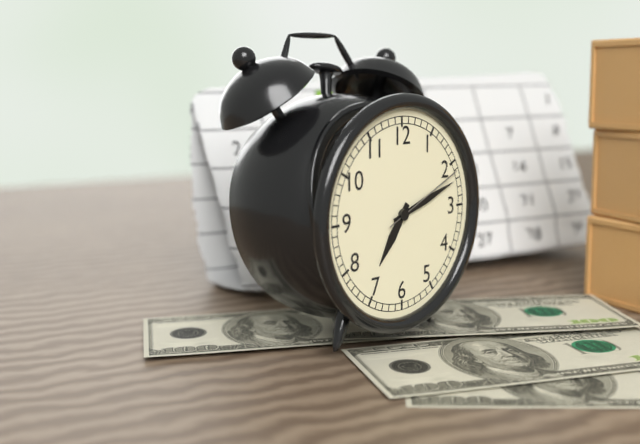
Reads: 7:12:11
